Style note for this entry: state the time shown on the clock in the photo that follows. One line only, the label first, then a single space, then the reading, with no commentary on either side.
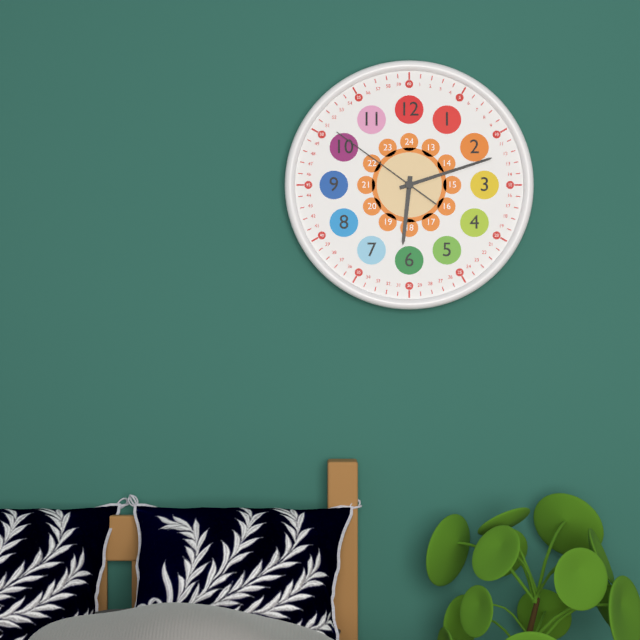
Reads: 6:12:51
